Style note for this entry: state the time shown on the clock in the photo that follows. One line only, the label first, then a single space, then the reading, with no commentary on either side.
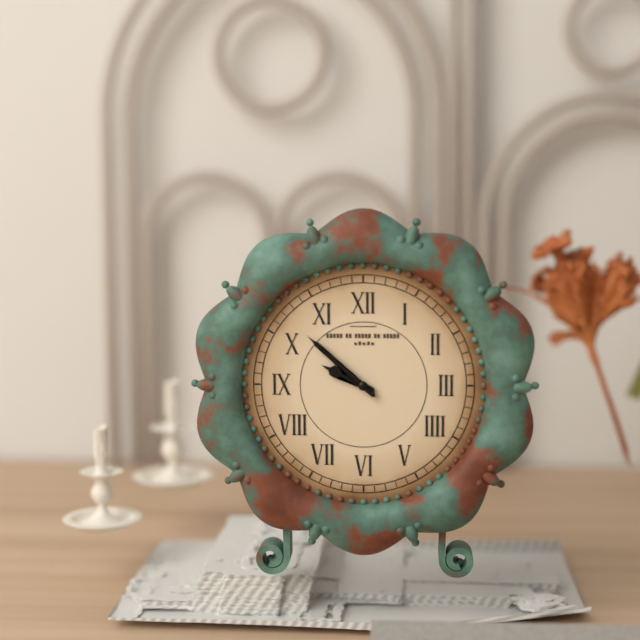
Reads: 9:52
